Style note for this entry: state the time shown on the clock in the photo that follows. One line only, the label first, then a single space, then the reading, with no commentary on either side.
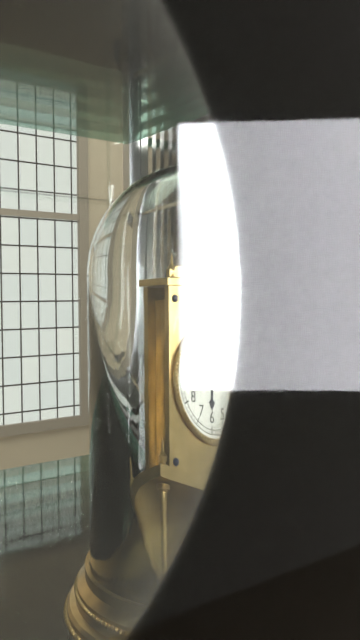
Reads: 6:02
